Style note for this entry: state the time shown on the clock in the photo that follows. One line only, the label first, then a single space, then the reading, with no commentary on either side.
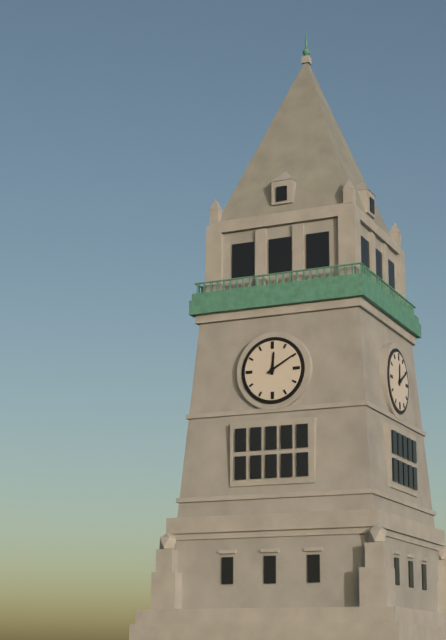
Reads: 12:10
